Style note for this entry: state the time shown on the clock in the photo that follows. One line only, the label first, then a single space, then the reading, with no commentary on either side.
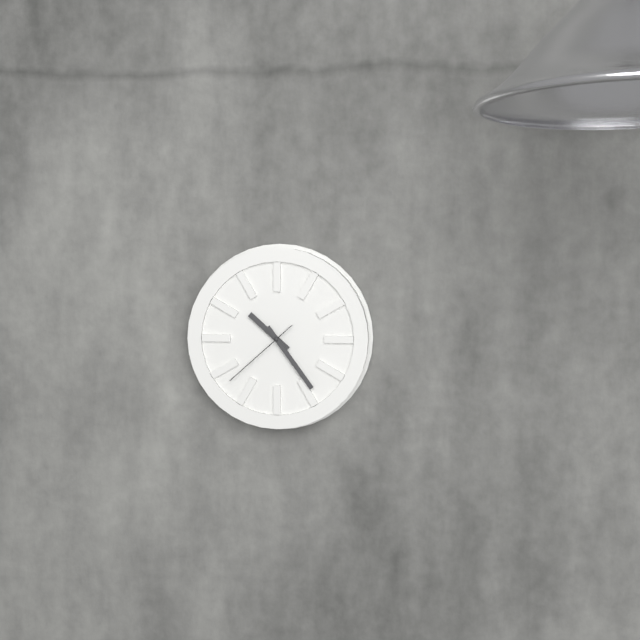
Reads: 10:24:38
